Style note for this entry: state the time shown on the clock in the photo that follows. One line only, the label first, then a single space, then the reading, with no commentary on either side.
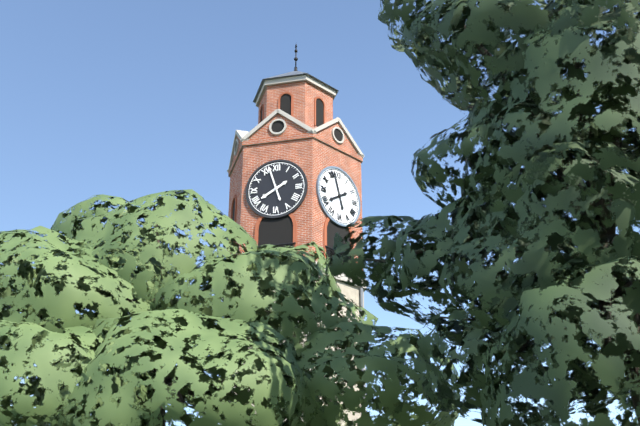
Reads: 7:57
